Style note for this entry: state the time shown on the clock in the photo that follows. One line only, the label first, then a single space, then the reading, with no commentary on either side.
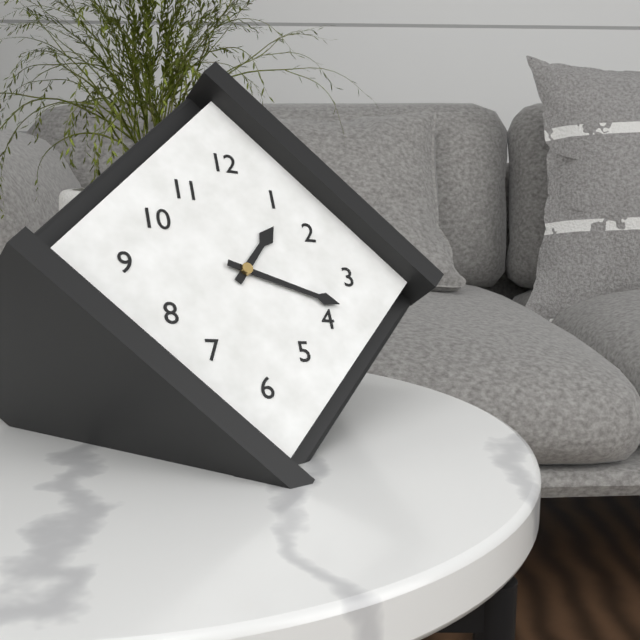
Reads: 1:18
